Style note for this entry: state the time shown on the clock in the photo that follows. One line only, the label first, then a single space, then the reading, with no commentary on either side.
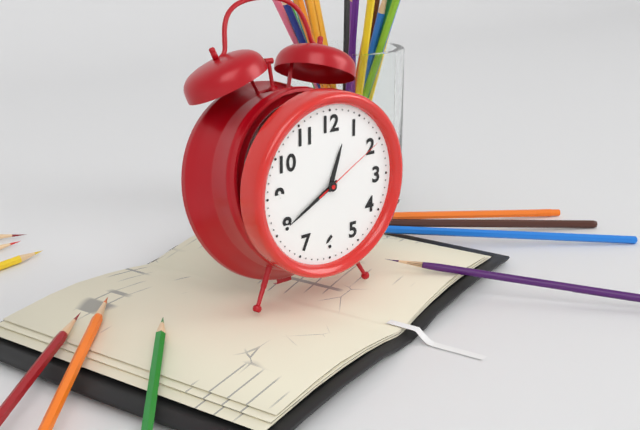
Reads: 12:40:10
